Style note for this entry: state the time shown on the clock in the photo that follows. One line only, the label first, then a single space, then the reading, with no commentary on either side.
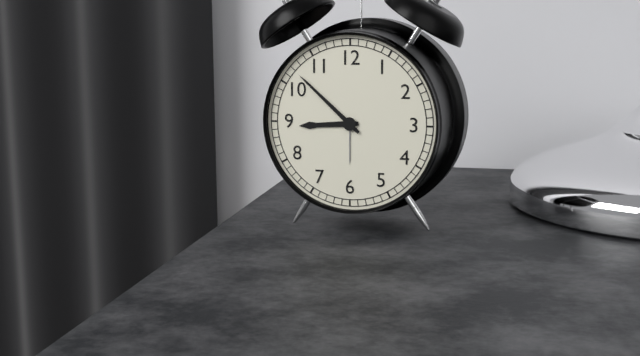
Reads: 8:52
